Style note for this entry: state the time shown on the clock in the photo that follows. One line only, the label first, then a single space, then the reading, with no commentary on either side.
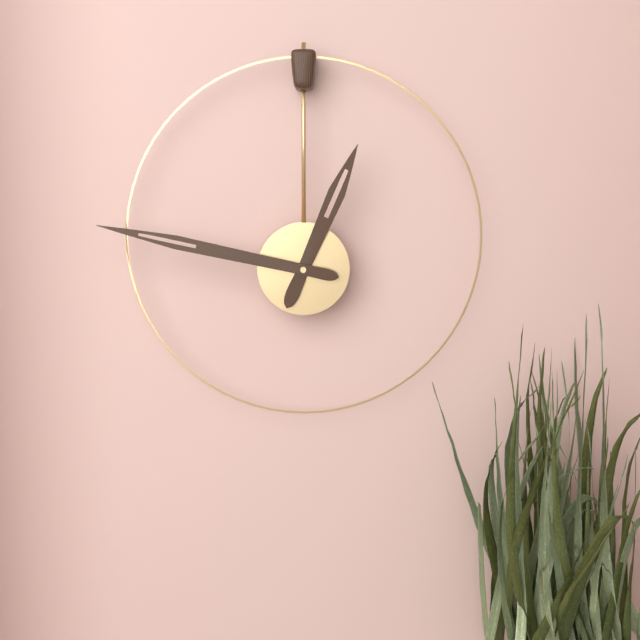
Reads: 12:47
